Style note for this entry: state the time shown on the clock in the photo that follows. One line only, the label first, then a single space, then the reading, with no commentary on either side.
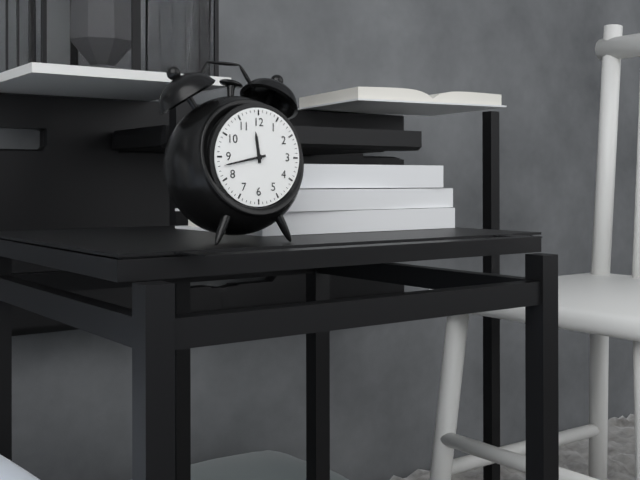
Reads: 11:43
